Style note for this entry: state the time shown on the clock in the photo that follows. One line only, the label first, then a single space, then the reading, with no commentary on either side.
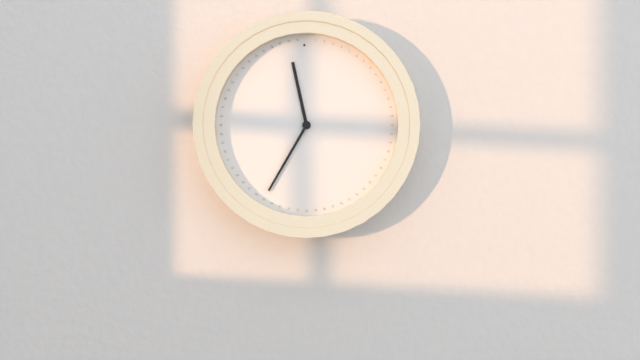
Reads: 11:35
